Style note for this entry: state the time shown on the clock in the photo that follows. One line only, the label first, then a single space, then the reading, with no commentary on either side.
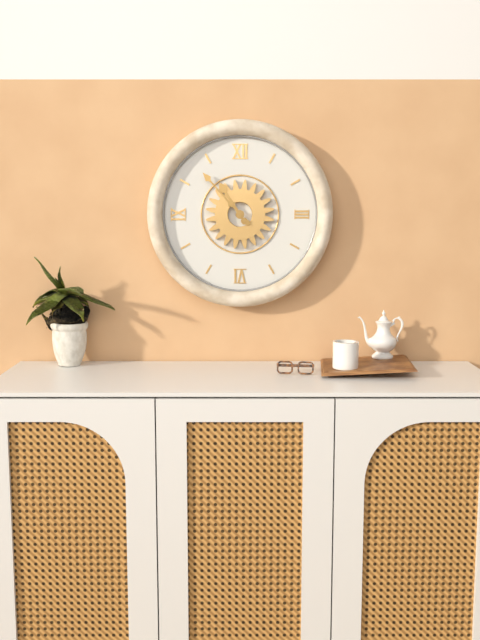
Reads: 10:53
